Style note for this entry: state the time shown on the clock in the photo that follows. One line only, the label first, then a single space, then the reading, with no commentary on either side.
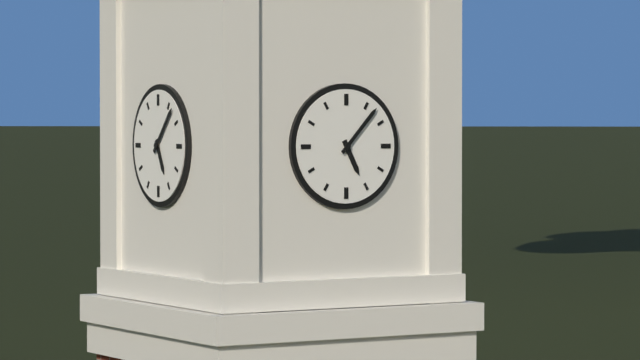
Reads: 5:07
